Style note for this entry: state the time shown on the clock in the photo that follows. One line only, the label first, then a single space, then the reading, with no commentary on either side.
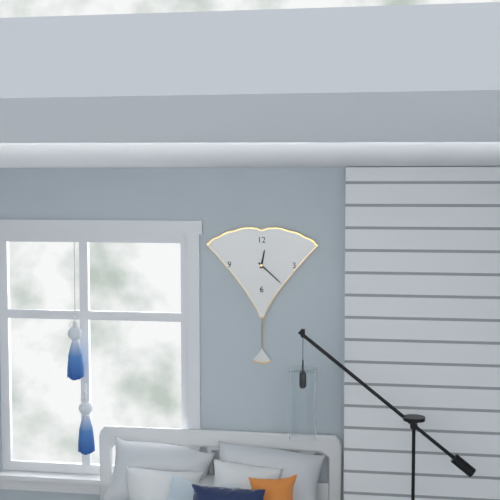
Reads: 12:22
